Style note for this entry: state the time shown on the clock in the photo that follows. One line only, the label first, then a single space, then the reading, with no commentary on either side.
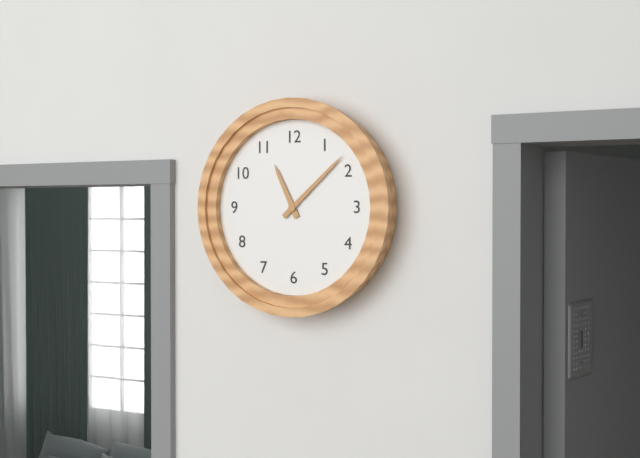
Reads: 11:08
